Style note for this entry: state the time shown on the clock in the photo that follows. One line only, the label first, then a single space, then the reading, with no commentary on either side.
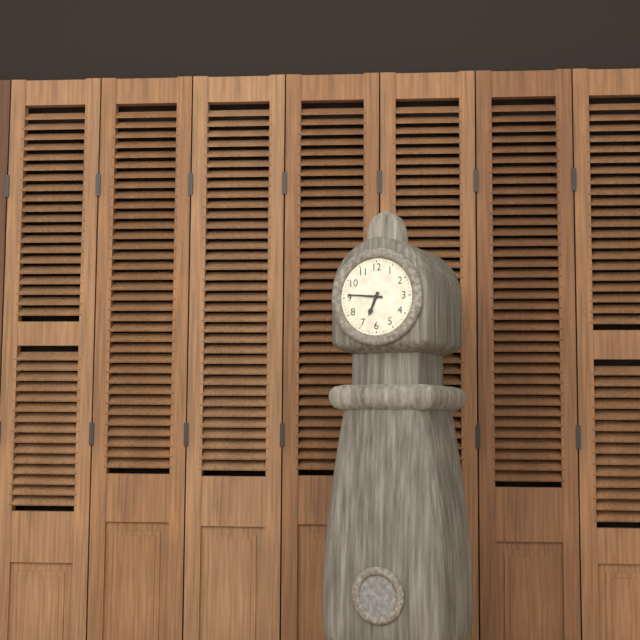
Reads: 6:46
